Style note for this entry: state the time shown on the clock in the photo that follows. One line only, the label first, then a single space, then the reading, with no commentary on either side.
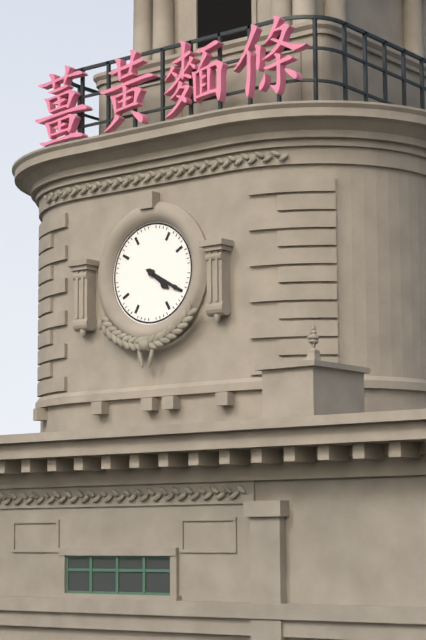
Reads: 4:20
